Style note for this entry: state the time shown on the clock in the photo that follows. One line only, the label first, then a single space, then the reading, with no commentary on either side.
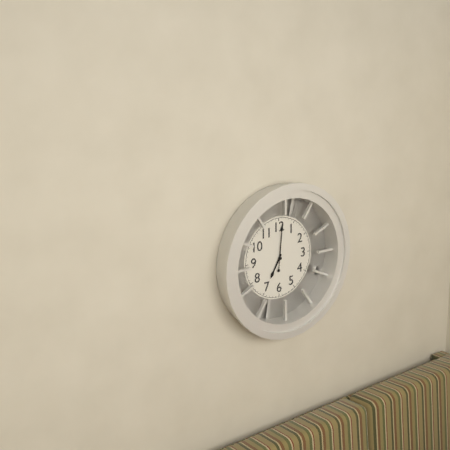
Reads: 7:01
